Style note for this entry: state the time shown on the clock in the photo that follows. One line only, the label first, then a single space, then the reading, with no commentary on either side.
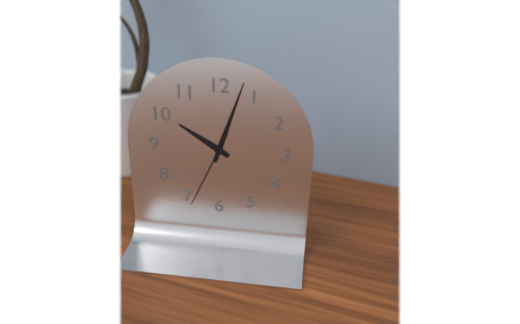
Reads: 10:03:34
